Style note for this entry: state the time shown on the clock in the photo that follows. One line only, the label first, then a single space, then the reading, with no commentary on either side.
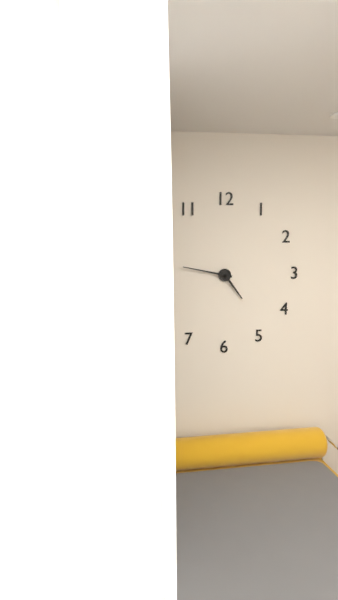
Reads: 4:47
